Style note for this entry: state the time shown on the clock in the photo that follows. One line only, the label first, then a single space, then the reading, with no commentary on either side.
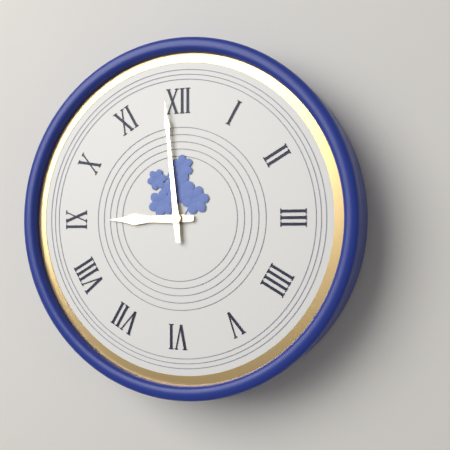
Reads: 8:59
